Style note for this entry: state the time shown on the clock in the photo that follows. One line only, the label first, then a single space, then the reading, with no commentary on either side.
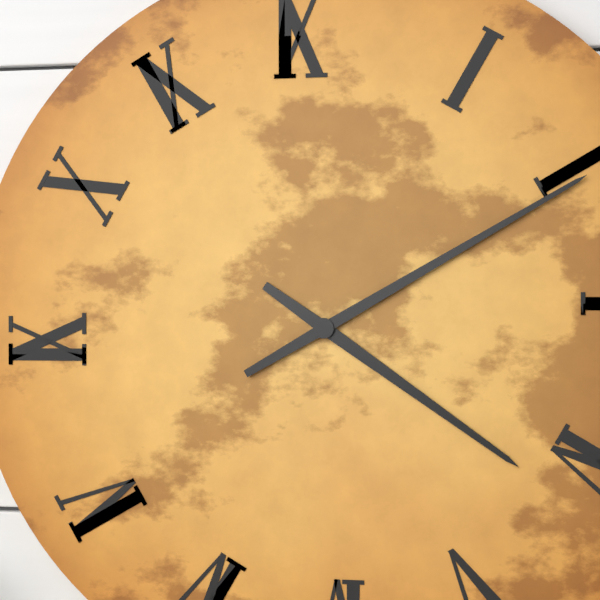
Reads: 4:10
